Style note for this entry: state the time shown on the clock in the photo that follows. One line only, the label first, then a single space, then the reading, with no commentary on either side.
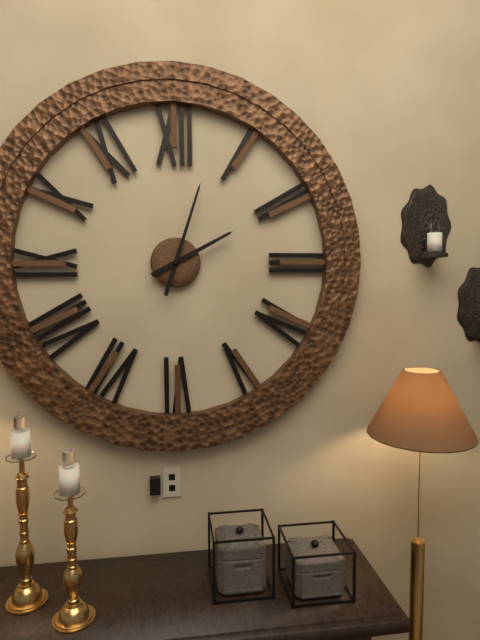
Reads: 2:03
